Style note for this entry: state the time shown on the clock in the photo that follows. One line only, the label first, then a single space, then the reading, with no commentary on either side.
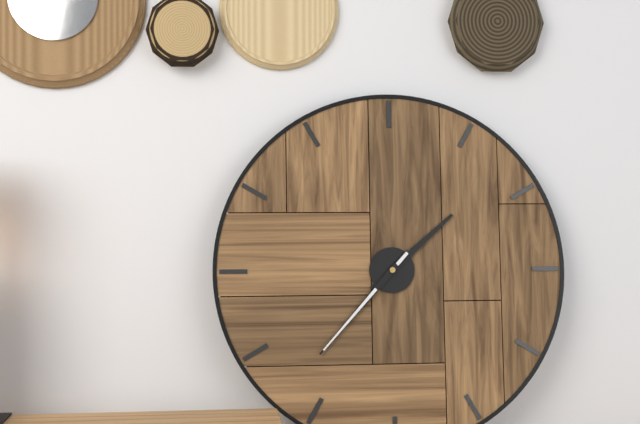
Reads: 1:37
